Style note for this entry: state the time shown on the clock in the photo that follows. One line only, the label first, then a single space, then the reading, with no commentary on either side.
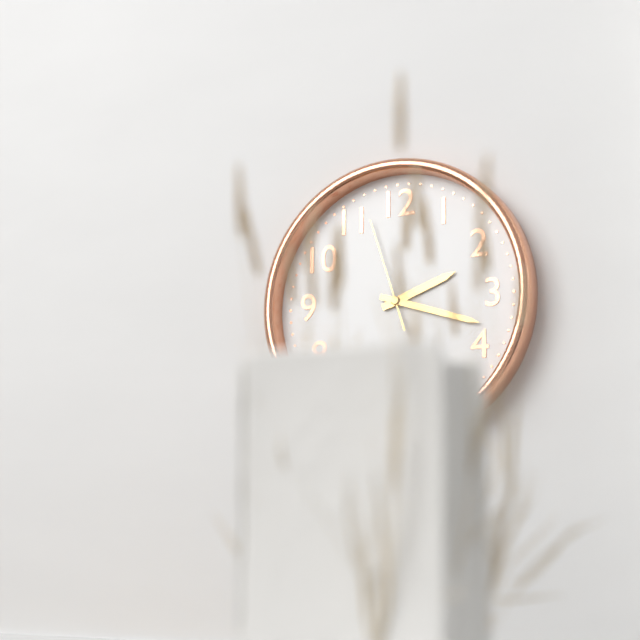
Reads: 2:18:57
